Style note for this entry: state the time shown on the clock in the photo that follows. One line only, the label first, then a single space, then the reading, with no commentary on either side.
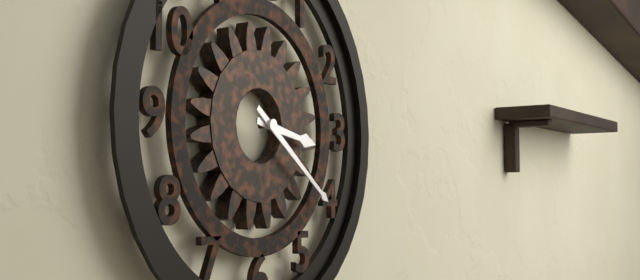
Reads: 3:21
